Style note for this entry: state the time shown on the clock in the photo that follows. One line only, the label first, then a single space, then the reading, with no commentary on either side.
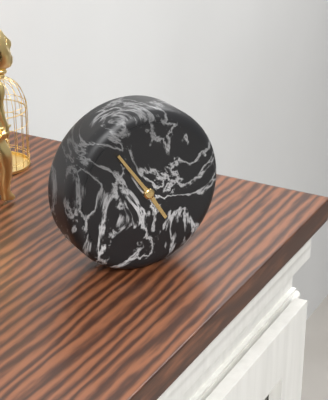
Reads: 4:54
